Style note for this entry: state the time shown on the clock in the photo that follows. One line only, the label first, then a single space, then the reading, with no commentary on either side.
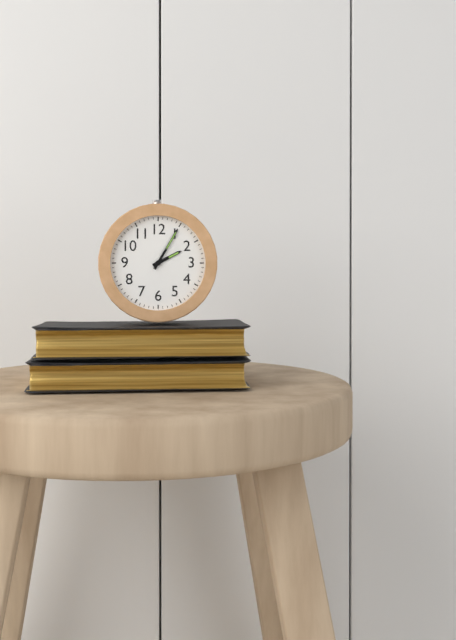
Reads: 2:05
